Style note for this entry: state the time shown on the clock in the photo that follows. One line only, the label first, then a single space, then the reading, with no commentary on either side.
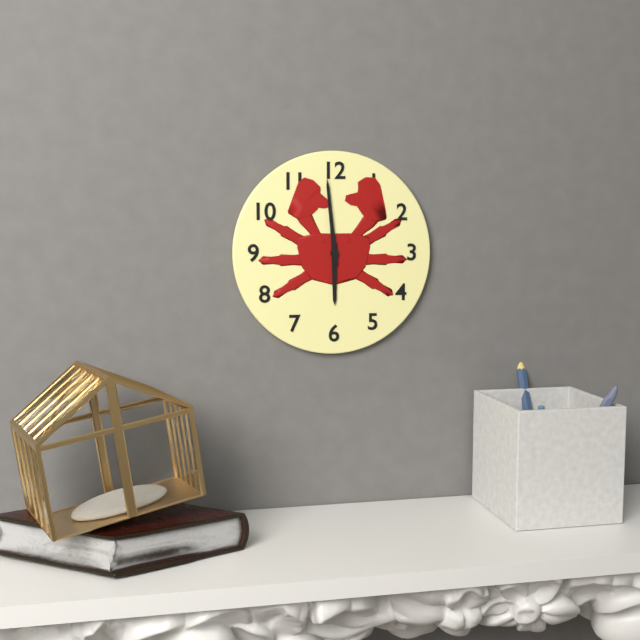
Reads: 5:59
